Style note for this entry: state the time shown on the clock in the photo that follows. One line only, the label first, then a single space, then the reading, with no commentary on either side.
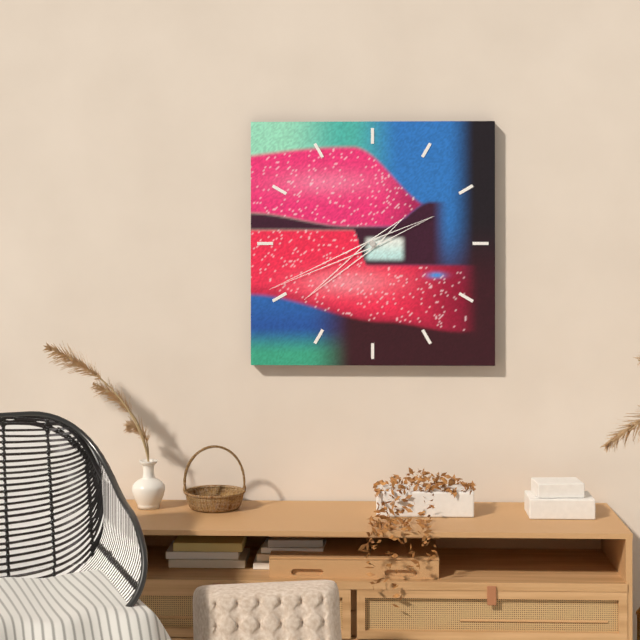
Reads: 7:41
